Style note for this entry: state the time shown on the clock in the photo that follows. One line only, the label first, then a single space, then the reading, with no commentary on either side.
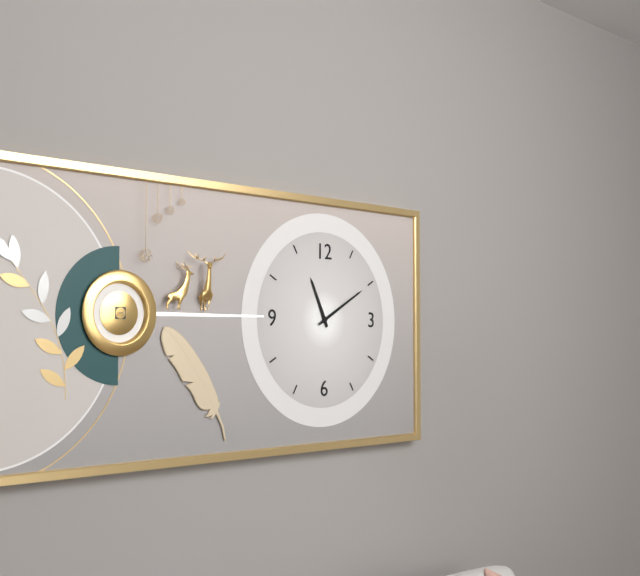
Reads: 11:10
